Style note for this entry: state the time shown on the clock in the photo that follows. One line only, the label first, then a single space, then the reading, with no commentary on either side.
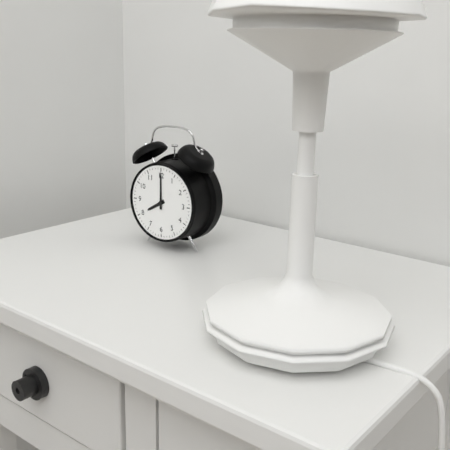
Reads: 8:00
